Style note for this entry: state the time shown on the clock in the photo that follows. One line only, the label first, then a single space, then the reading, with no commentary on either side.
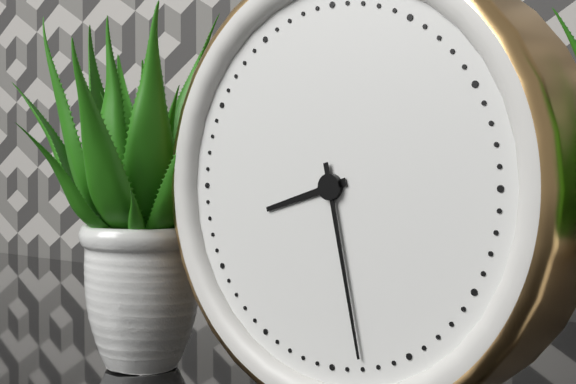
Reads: 8:28
